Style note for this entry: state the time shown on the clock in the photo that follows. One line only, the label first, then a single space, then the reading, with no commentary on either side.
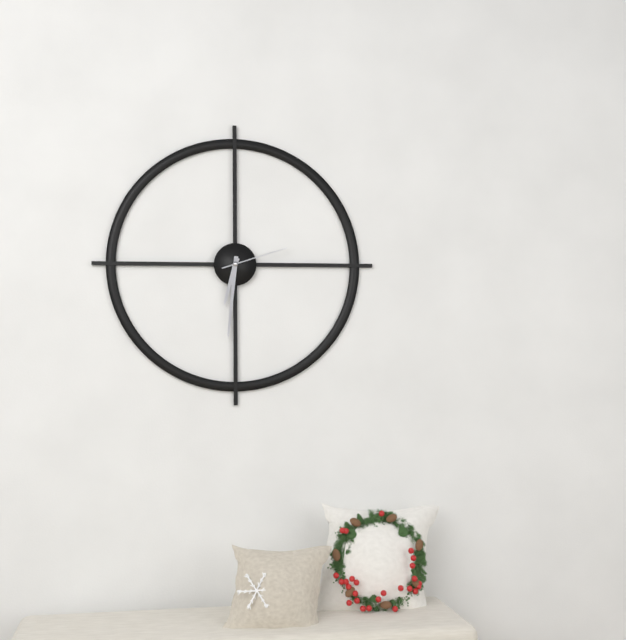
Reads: 6:31:12
